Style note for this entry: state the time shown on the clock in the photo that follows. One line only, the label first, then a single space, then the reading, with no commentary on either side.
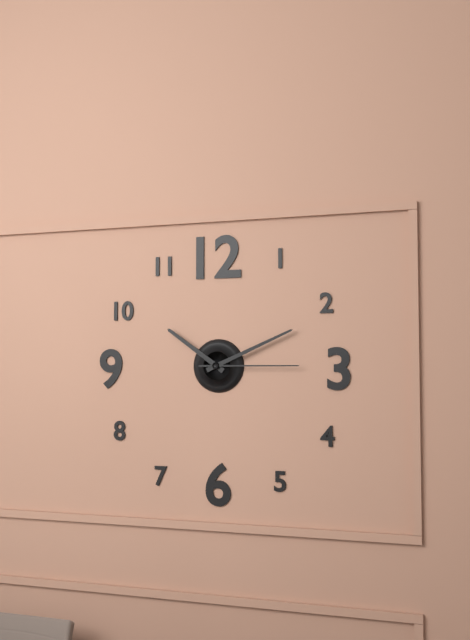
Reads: 10:11:15
